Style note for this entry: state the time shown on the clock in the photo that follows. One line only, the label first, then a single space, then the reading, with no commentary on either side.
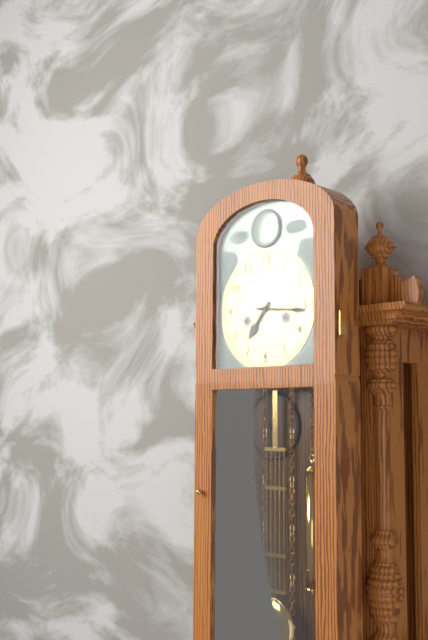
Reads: 7:16
